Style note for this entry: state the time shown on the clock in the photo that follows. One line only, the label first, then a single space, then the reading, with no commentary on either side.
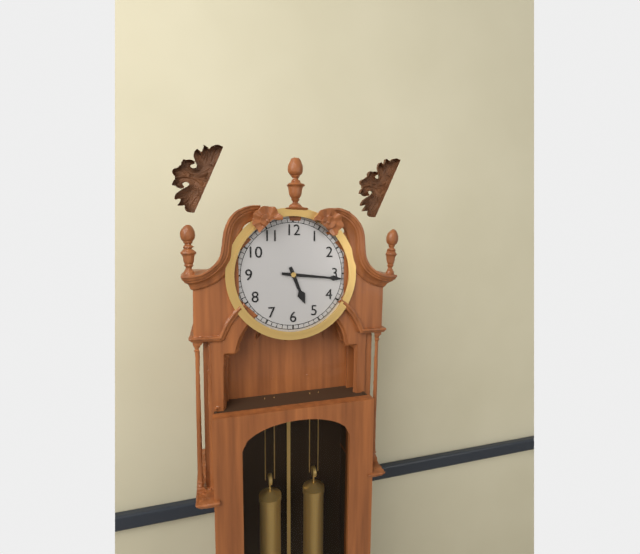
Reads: 5:16
